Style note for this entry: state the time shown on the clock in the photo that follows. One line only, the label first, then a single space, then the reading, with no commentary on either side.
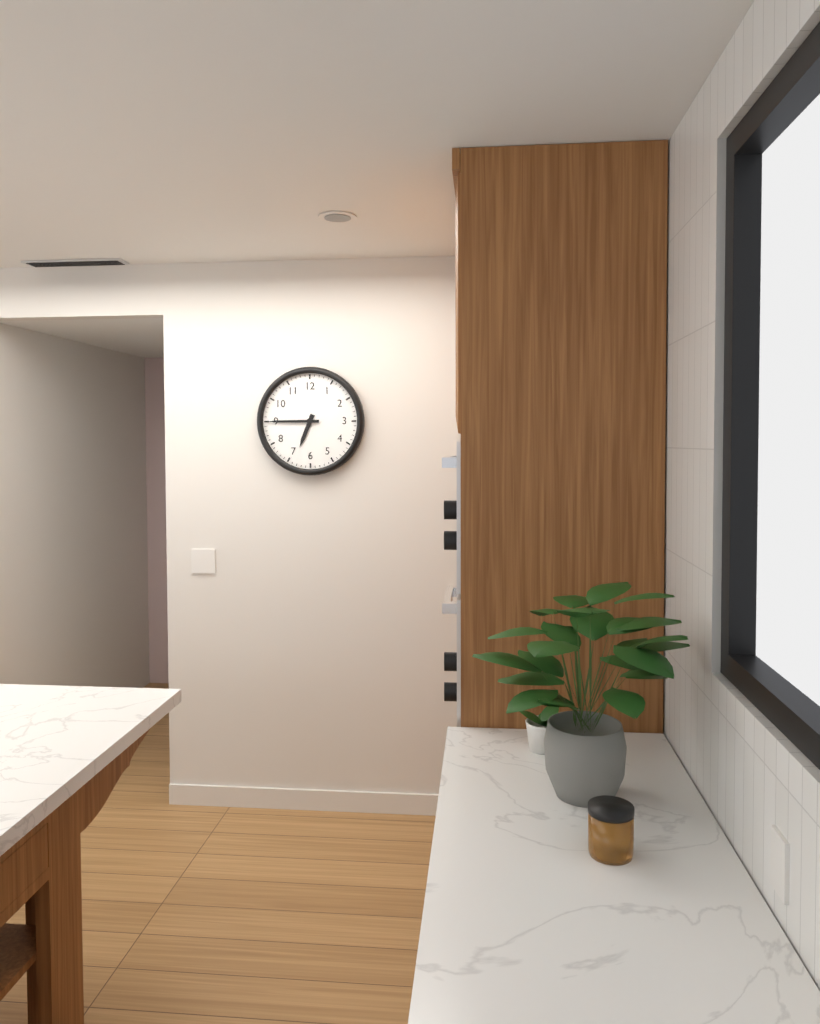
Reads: 6:45
